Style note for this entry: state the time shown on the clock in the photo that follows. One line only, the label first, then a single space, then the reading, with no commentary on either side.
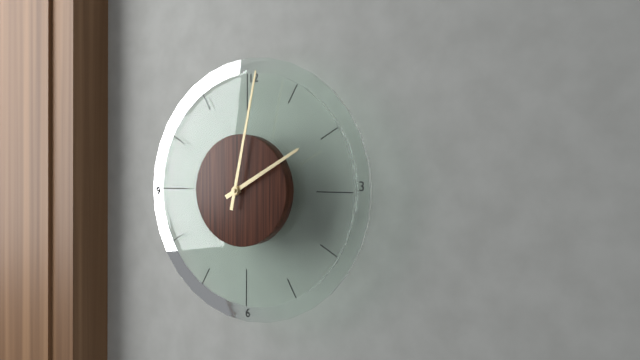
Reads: 2:02
